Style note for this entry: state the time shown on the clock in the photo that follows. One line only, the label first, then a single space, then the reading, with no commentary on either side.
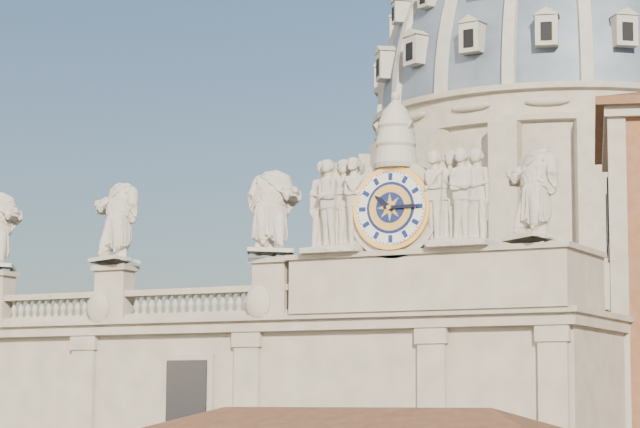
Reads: 10:15
